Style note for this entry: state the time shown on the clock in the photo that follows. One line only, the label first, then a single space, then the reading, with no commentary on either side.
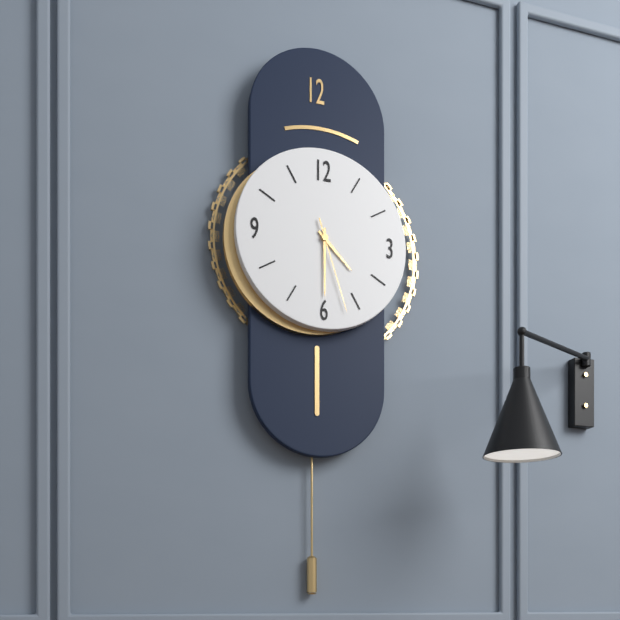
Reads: 4:30:27
